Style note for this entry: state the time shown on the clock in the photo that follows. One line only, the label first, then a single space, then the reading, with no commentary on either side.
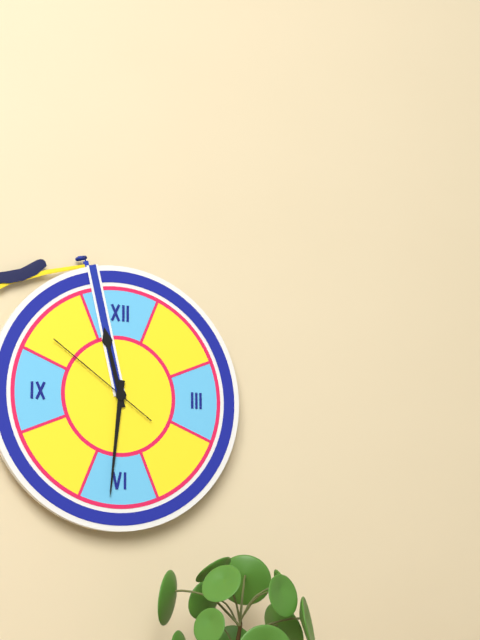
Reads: 11:31:51
